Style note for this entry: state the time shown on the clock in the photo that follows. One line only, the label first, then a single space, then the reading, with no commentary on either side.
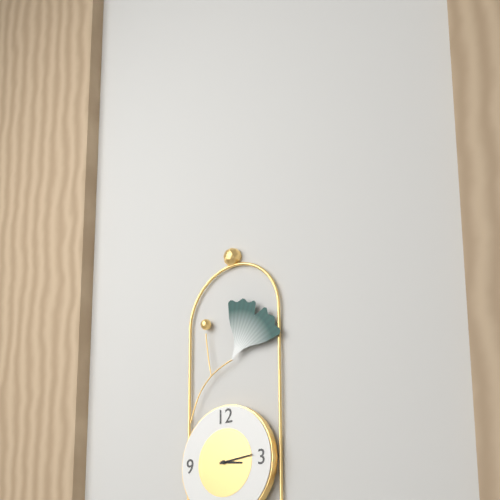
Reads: 3:14
